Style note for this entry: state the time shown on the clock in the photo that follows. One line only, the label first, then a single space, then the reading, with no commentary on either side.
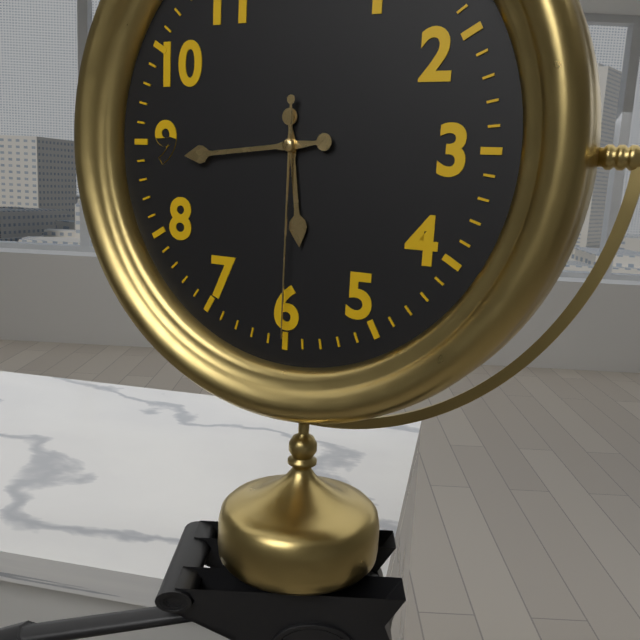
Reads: 5:44:30
